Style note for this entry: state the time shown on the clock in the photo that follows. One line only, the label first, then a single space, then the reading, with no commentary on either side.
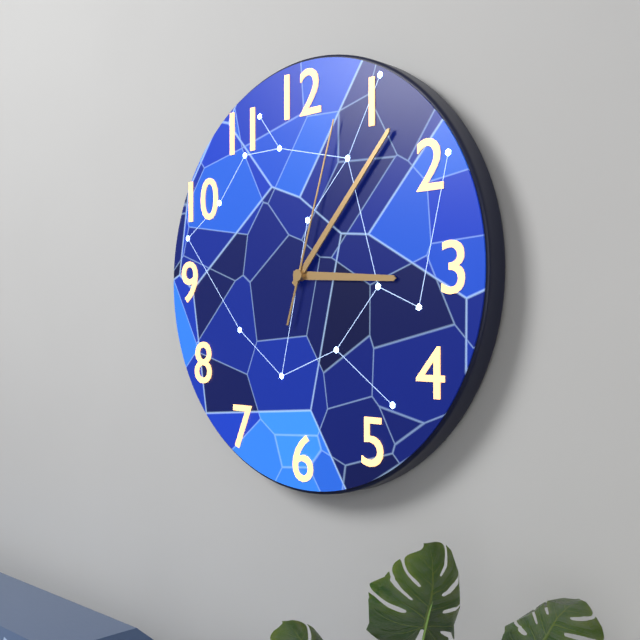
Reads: 3:07:03
